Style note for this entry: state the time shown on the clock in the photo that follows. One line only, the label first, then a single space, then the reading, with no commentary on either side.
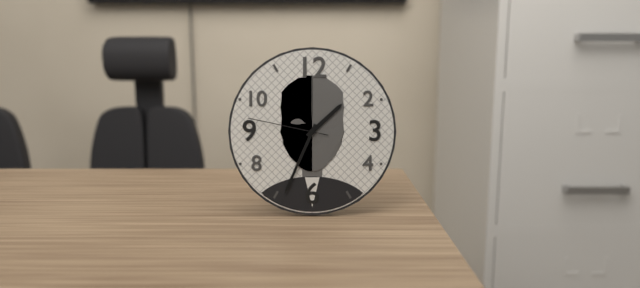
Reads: 1:34:47
